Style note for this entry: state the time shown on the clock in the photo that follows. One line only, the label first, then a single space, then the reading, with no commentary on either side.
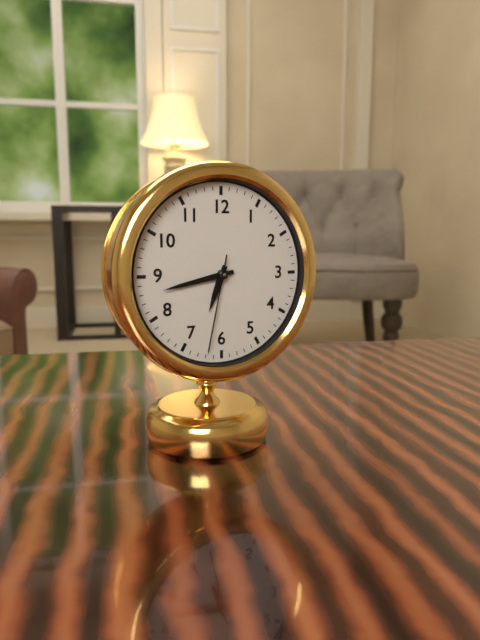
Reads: 6:43:32
